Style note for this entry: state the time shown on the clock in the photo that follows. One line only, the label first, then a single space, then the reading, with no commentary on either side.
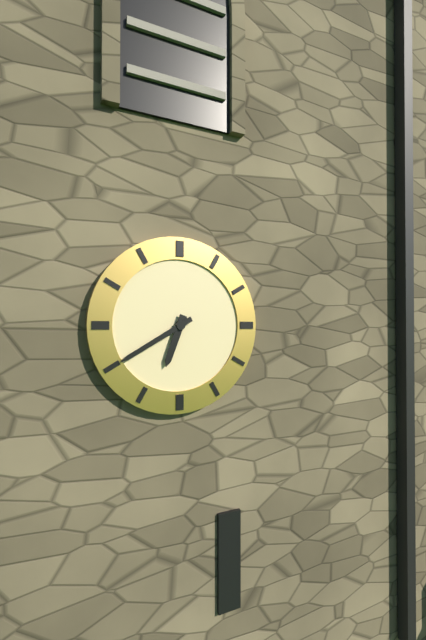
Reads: 6:40
